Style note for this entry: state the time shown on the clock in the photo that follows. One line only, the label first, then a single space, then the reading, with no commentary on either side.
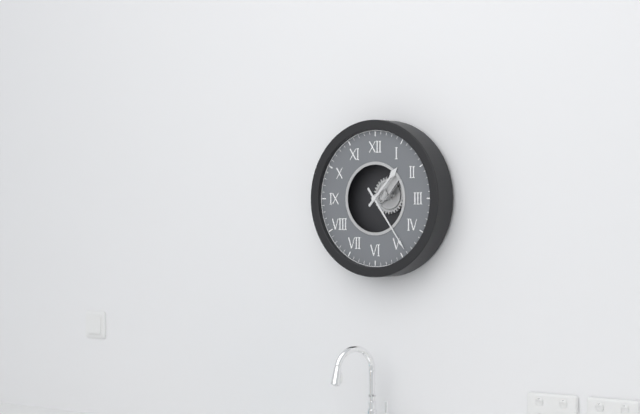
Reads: 1:24
